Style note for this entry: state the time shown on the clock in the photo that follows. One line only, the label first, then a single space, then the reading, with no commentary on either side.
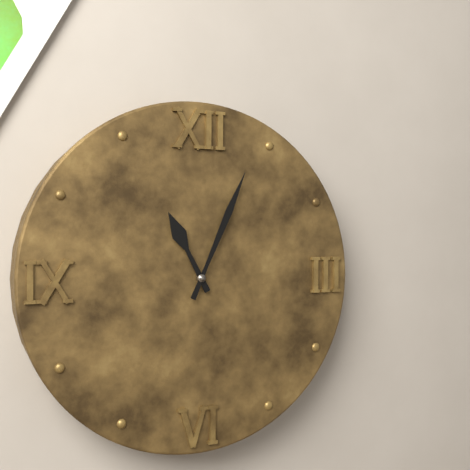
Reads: 11:04
